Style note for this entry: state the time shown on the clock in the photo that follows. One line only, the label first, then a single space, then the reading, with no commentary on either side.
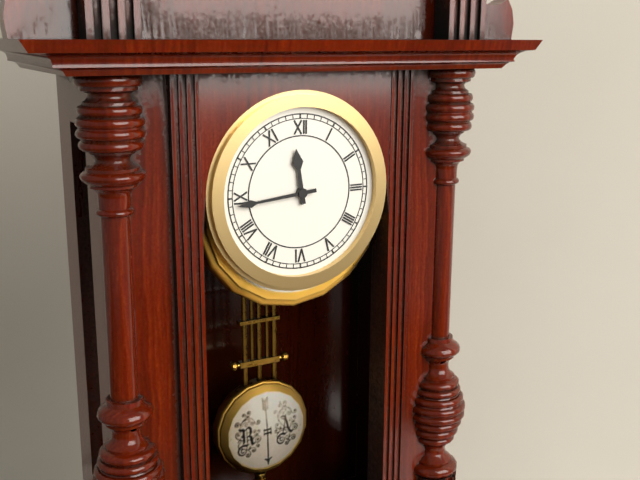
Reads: 11:44
